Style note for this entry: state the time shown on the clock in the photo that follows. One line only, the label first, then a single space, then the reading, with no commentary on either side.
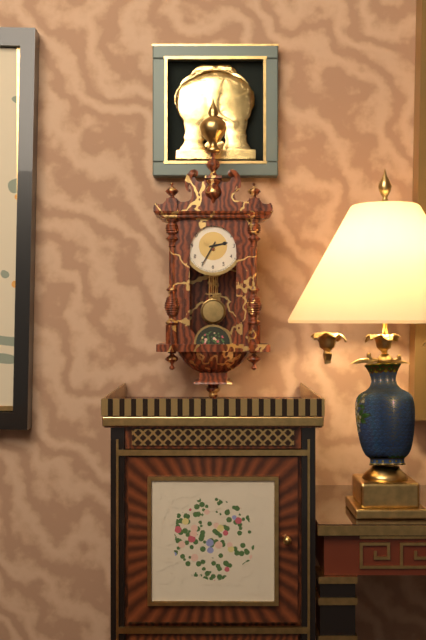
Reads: 2:35
